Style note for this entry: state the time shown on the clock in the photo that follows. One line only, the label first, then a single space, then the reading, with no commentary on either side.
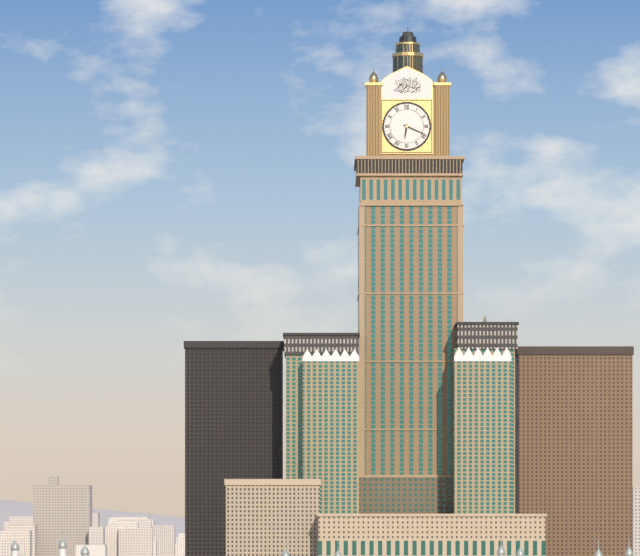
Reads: 6:19
